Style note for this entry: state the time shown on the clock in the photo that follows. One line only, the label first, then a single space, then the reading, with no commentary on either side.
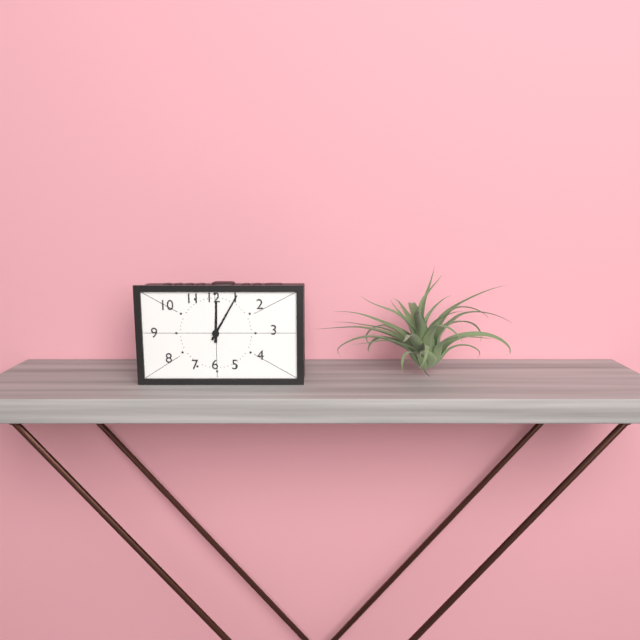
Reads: 12:05
